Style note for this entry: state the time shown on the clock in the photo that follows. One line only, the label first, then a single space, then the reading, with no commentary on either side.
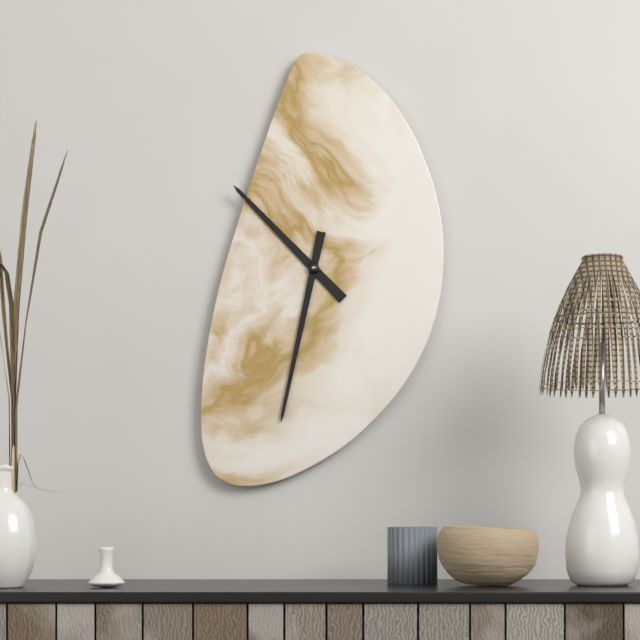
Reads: 10:32
